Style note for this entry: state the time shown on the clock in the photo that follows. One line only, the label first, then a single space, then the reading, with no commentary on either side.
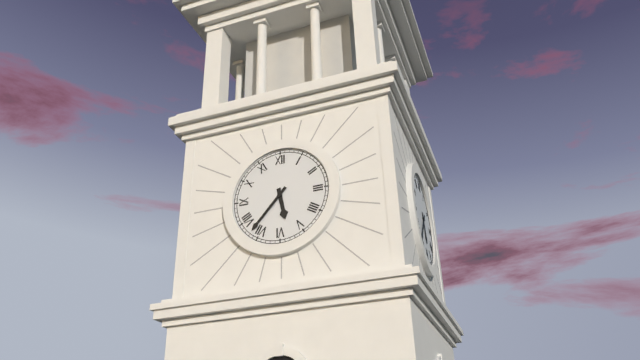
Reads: 5:37
